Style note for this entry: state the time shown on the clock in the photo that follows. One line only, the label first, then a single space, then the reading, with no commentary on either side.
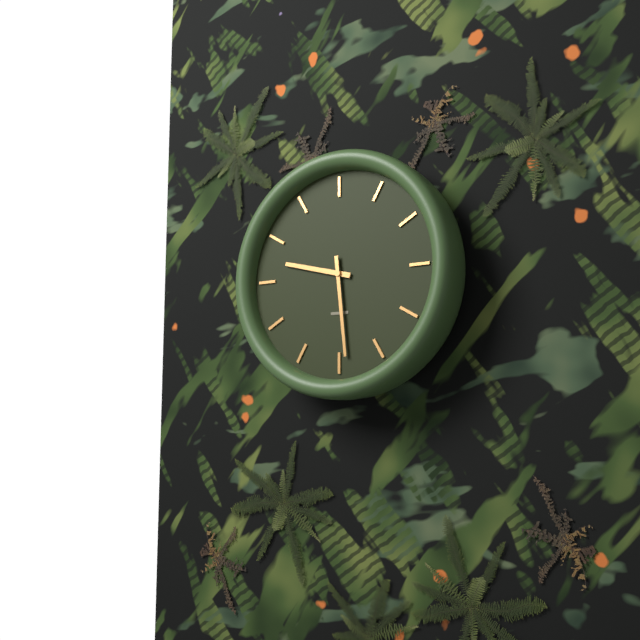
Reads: 9:29
